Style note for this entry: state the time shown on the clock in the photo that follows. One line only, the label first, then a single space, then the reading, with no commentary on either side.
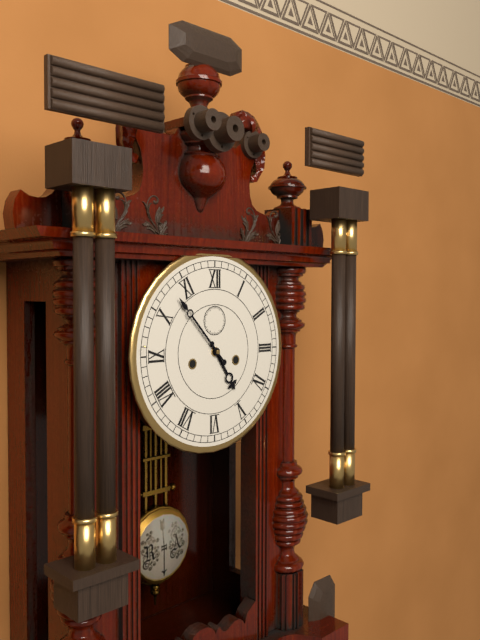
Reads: 4:53
